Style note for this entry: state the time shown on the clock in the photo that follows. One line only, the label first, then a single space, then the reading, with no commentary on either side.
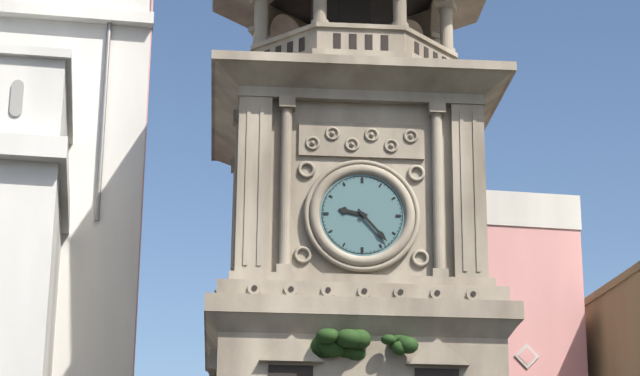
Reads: 9:23
